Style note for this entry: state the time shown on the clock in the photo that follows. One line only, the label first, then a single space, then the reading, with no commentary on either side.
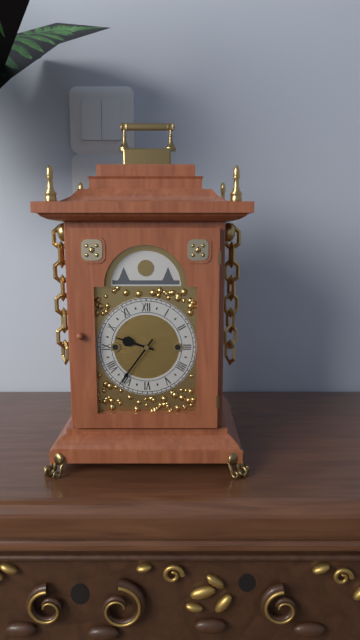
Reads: 9:36
